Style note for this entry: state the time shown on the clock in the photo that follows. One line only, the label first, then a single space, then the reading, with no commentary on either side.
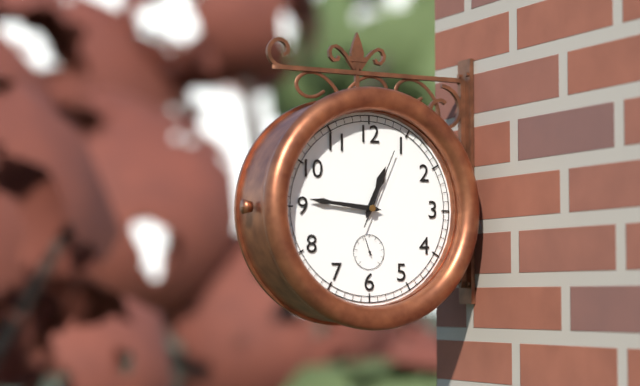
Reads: 12:46:04
